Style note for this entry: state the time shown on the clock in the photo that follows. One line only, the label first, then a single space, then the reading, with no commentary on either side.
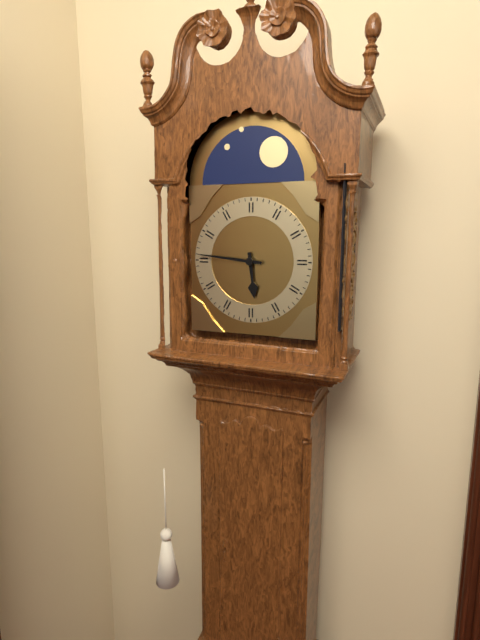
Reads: 5:46
